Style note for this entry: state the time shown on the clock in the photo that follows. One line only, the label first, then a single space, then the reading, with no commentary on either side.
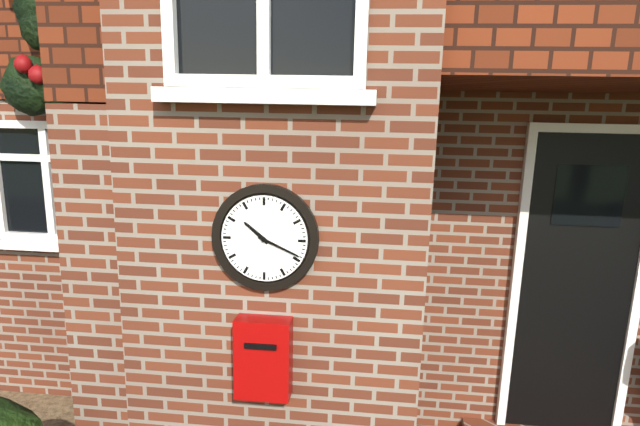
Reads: 10:19
